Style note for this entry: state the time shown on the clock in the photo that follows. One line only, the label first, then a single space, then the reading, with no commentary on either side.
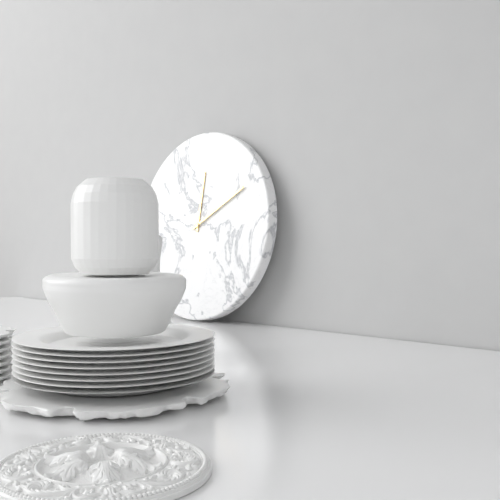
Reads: 12:10
